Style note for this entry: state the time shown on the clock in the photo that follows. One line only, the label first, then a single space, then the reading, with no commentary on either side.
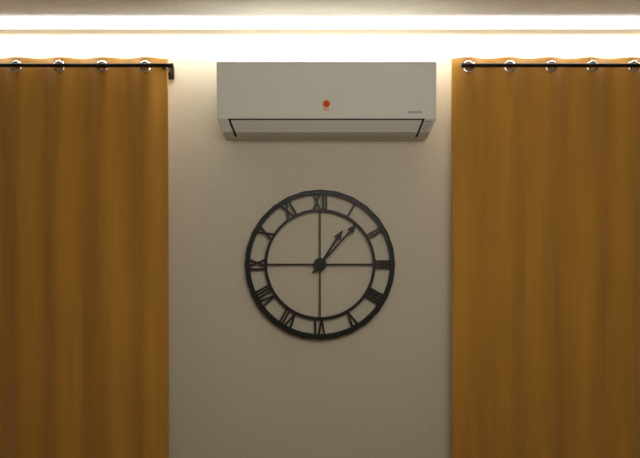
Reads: 1:07
